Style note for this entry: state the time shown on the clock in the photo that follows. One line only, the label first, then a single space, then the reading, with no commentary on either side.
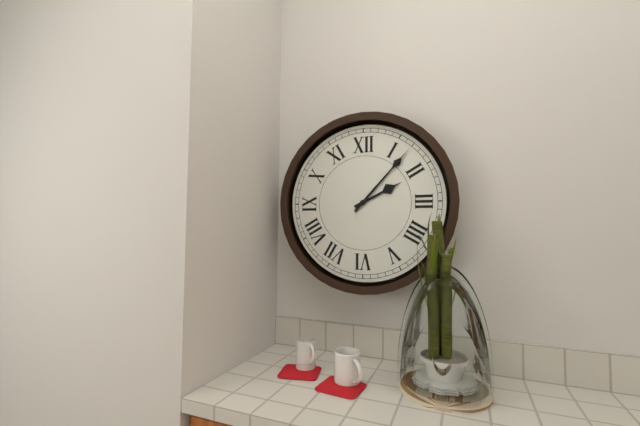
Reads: 2:07
